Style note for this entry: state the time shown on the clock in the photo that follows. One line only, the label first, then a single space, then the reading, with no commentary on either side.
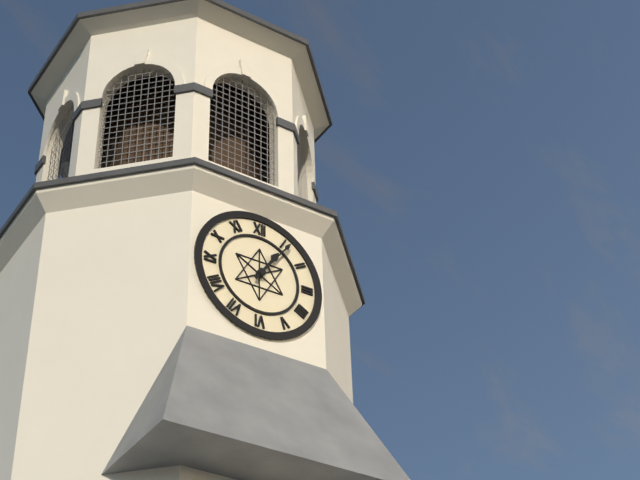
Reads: 1:06
